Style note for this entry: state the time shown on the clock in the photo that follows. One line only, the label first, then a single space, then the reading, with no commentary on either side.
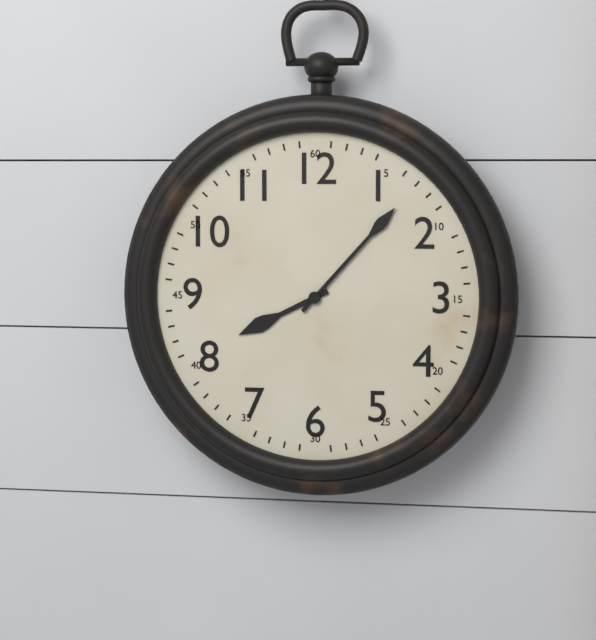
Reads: 8:07
